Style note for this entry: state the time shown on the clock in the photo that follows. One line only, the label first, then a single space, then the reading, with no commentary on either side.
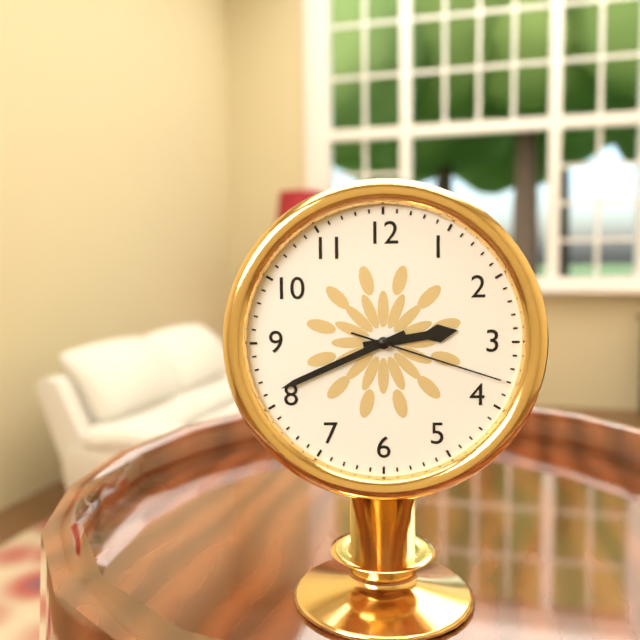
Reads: 2:41:18
